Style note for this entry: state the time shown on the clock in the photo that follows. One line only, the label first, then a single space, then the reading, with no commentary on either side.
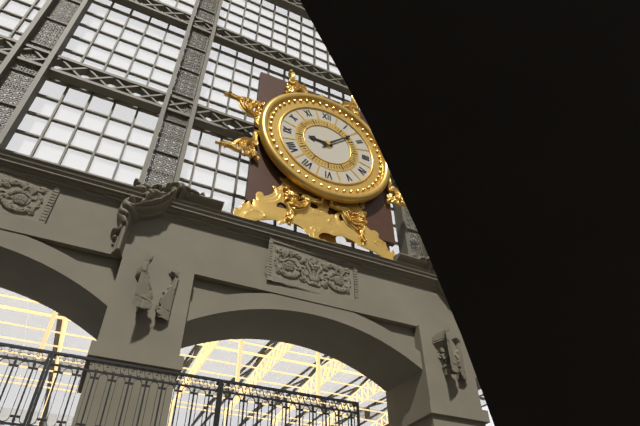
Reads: 9:08
